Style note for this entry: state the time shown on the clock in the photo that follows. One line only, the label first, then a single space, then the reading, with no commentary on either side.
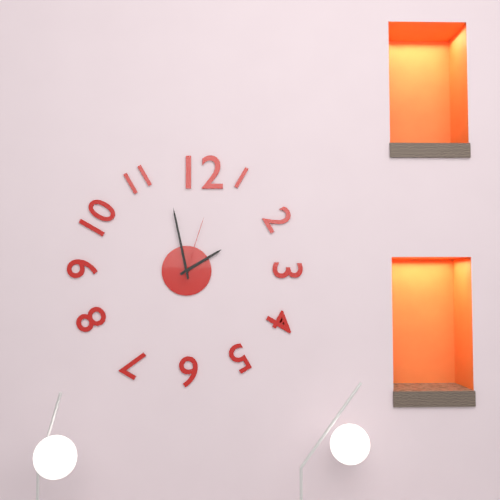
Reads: 1:58:03
